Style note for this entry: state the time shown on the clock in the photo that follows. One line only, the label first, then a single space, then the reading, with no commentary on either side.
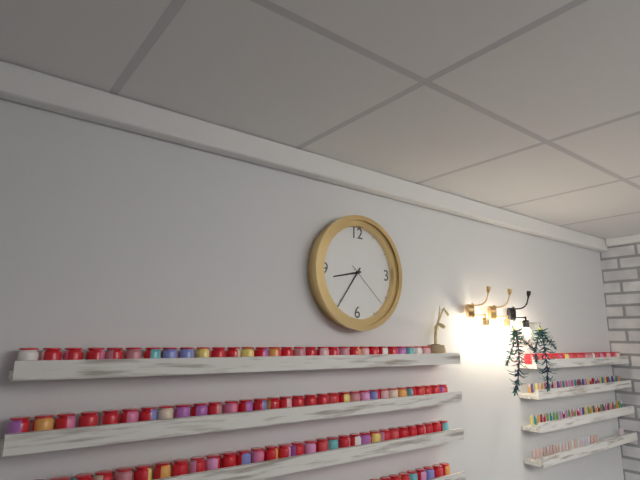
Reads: 8:36
